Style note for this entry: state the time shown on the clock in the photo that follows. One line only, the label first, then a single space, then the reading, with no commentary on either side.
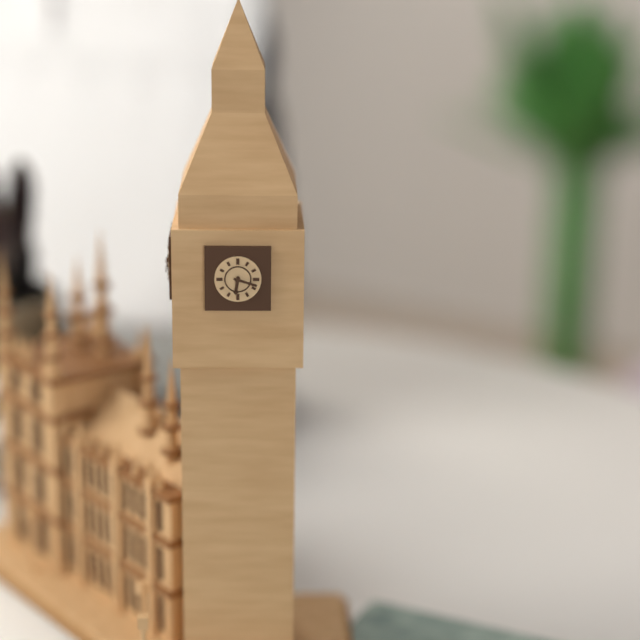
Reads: 6:18
